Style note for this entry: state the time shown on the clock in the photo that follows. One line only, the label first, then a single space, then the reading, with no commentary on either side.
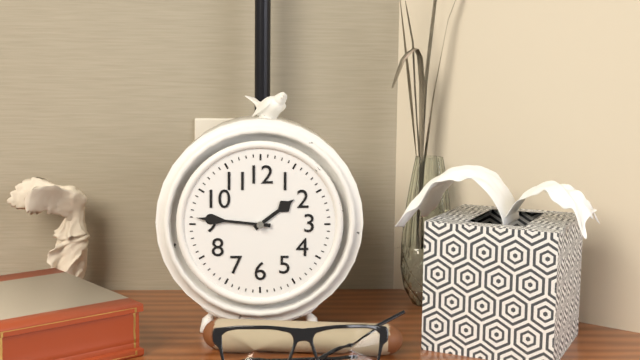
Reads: 1:46
